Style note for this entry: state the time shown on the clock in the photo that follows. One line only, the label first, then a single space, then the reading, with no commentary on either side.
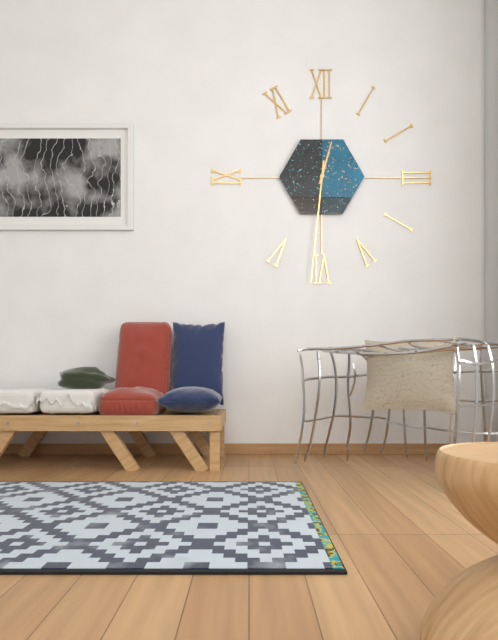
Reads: 12:31
